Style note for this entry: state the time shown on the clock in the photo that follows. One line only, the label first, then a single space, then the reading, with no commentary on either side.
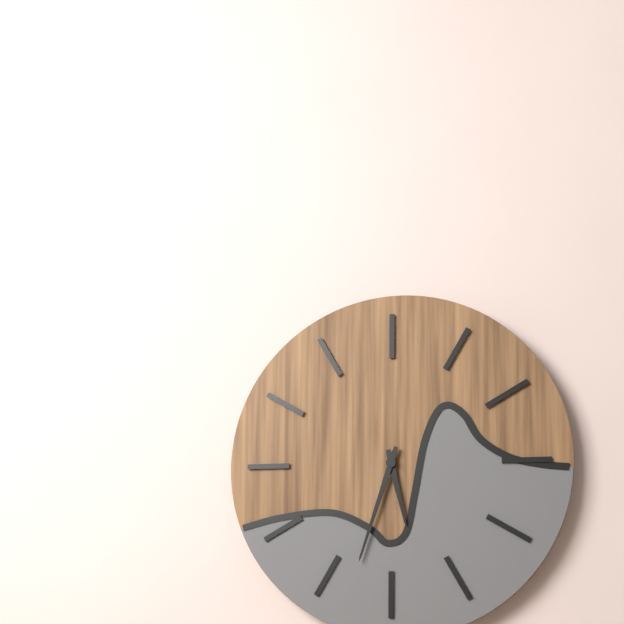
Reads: 5:33
